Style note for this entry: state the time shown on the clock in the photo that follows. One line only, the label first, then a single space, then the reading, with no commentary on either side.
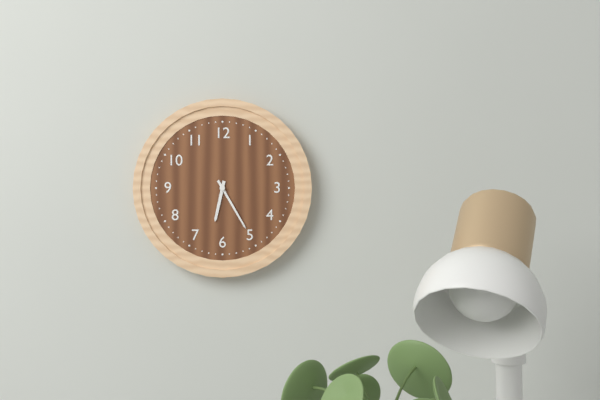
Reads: 6:25
